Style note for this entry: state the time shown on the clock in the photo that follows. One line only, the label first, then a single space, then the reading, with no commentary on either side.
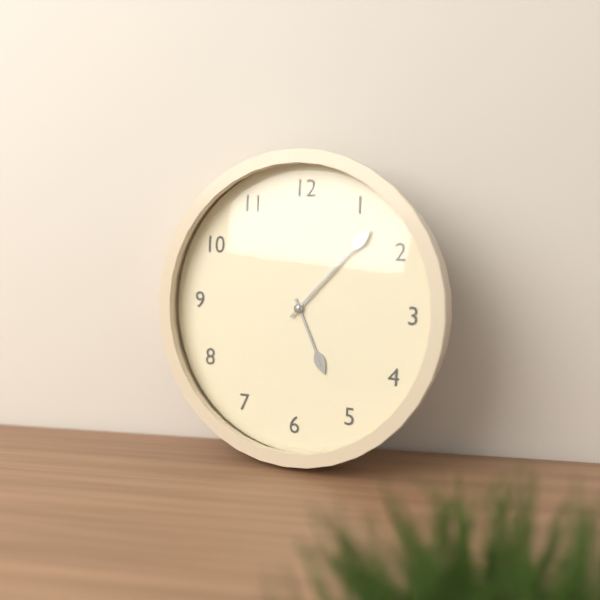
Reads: 5:07
